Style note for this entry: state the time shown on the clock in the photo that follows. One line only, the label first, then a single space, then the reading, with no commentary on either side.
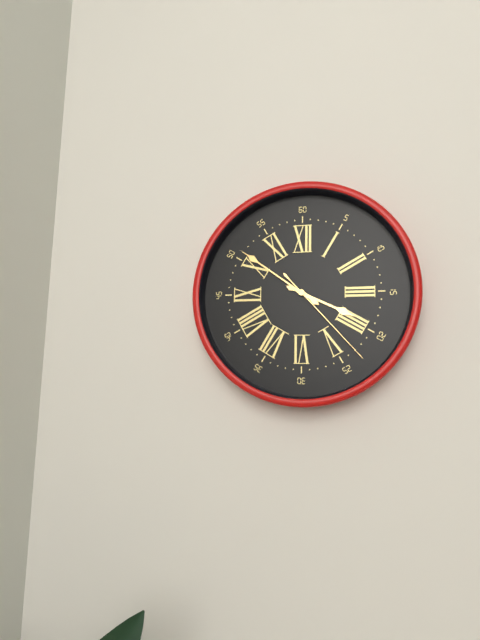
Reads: 3:51:23
